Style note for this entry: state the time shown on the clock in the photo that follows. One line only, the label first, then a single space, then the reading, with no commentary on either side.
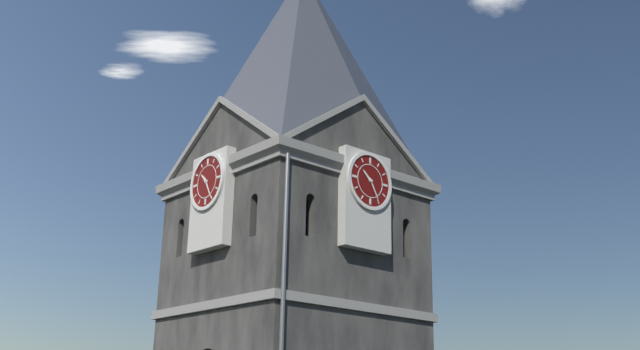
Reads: 10:25
